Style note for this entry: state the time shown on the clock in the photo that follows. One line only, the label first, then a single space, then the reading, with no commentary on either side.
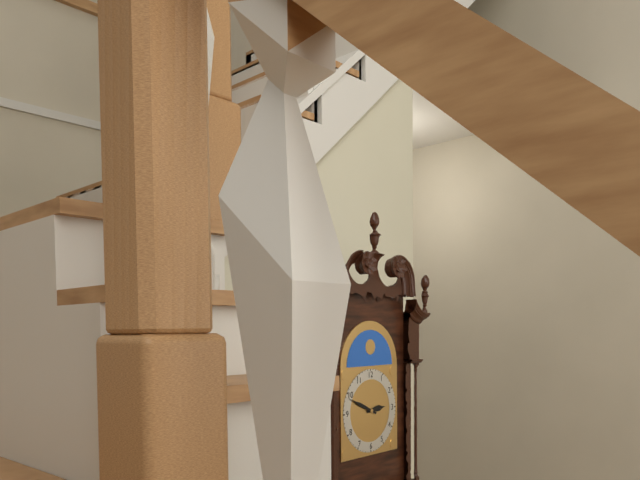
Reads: 2:49
